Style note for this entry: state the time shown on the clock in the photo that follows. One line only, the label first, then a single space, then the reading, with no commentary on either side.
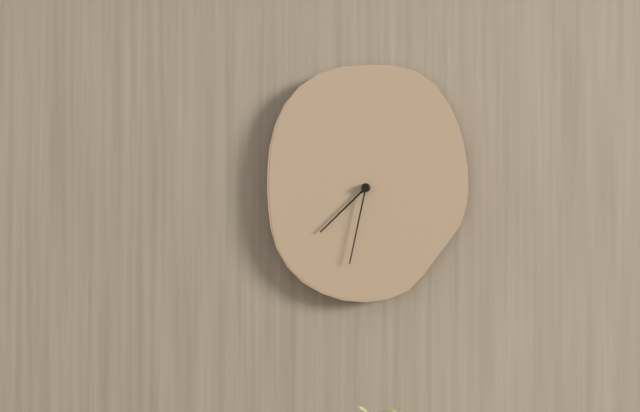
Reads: 7:32
